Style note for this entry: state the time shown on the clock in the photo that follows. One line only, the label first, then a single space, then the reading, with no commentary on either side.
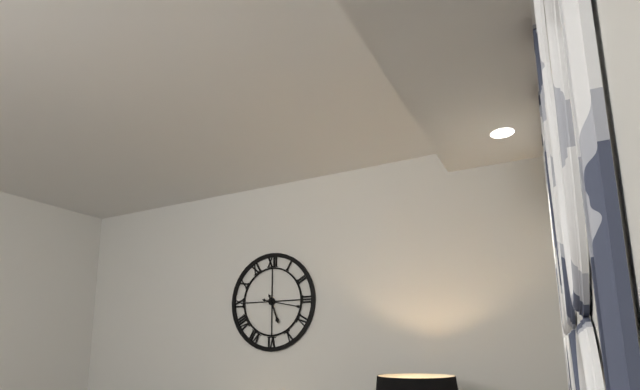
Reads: 5:17
